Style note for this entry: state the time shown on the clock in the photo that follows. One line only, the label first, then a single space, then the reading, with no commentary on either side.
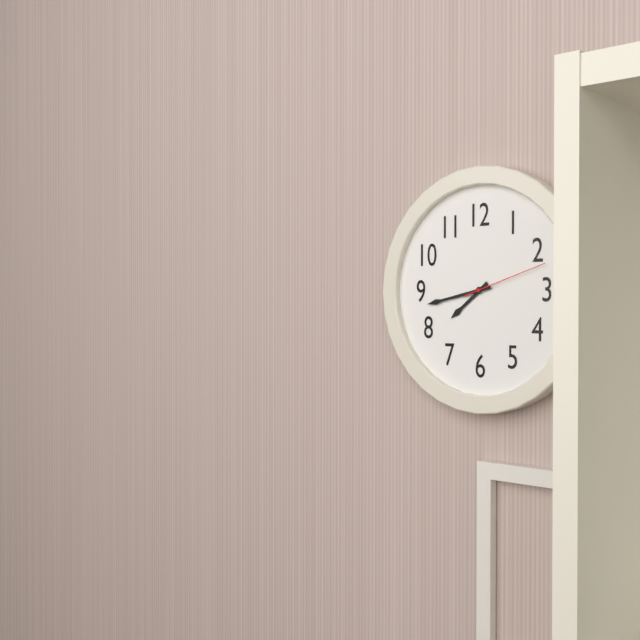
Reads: 7:43:12
